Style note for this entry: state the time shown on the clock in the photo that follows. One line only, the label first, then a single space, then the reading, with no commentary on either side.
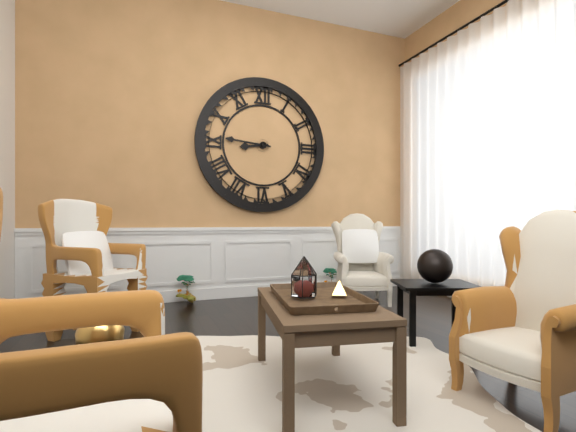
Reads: 8:46
